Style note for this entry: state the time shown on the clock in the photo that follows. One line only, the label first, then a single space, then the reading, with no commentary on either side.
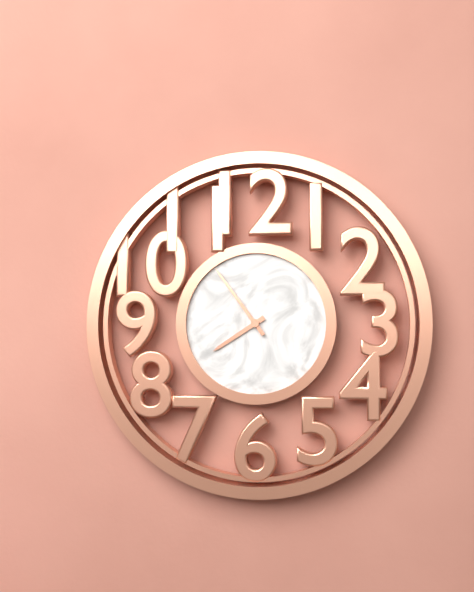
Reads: 7:54
